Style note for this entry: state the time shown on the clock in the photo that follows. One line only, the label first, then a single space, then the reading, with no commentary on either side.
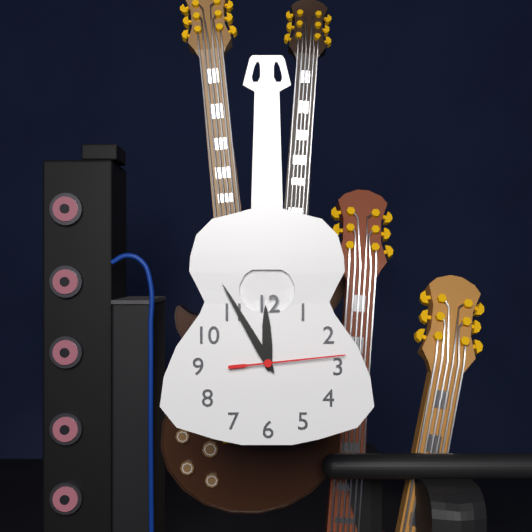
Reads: 11:55:14
